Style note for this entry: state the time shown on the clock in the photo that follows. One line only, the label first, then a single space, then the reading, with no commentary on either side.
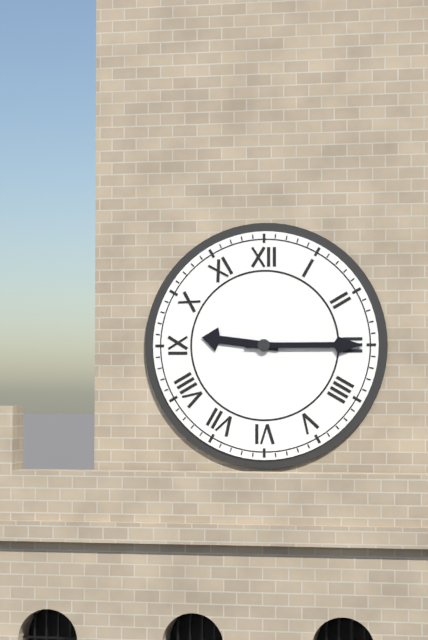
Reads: 9:15
